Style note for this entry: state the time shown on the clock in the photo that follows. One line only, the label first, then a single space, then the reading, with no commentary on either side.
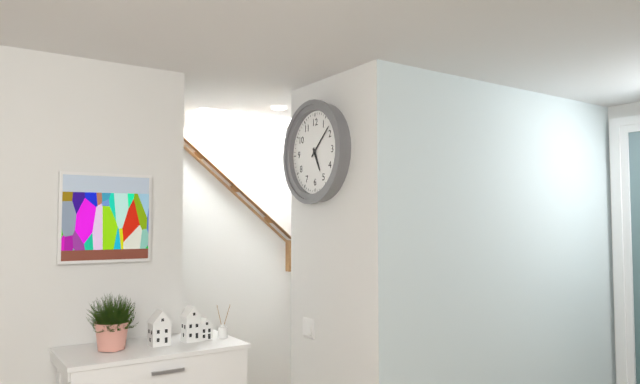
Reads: 5:08
